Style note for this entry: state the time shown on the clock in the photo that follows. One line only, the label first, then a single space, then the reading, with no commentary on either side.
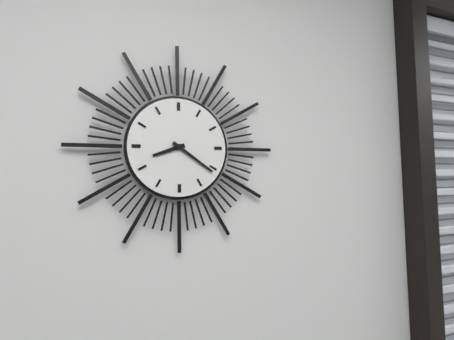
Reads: 8:21
